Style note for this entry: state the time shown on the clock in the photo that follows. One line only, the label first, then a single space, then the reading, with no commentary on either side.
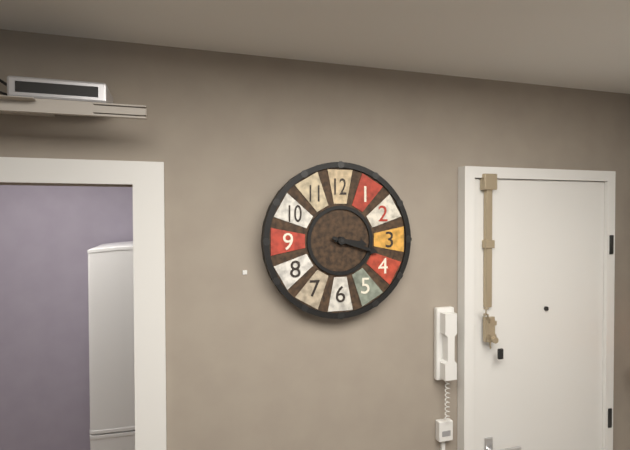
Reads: 3:18
